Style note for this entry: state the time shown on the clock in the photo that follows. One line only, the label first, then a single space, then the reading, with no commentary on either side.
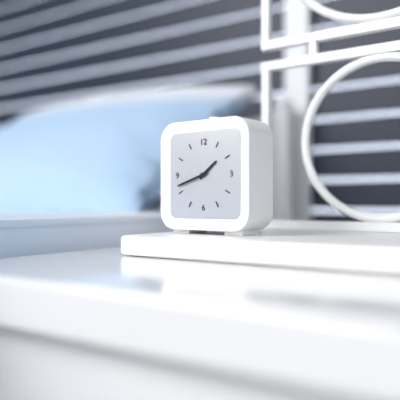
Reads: 1:42
